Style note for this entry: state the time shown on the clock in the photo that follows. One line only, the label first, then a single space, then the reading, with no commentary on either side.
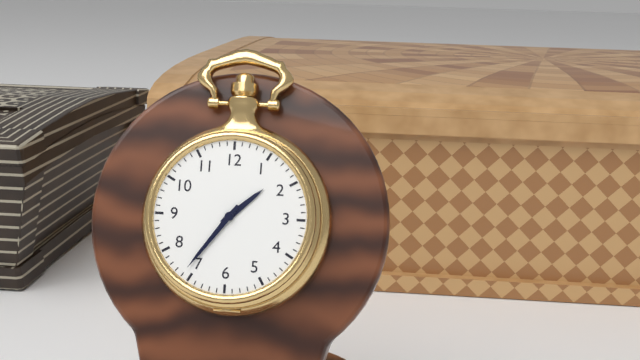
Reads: 1:36
